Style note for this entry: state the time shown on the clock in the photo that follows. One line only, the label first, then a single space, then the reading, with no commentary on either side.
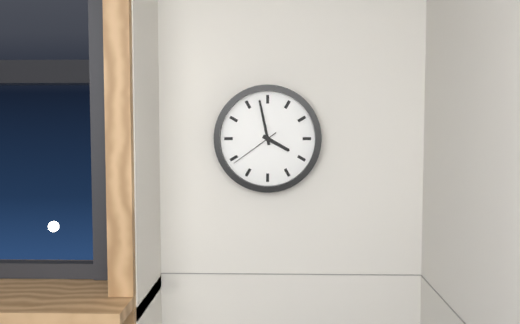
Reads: 3:58:39
